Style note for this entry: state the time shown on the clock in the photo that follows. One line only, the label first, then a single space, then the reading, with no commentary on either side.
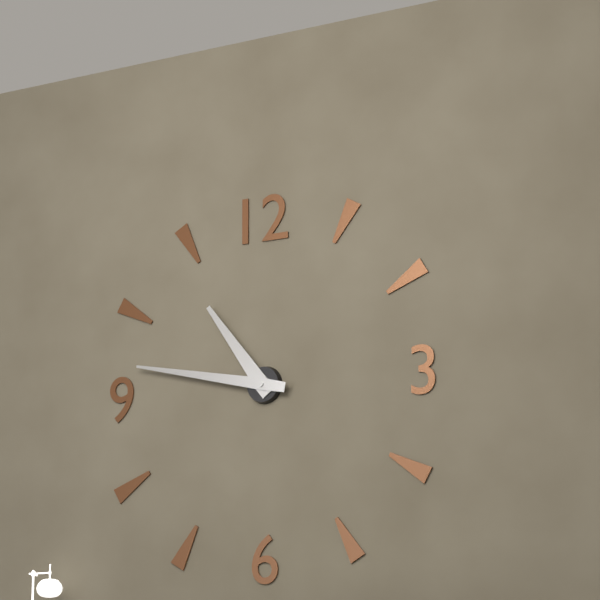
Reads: 10:47
